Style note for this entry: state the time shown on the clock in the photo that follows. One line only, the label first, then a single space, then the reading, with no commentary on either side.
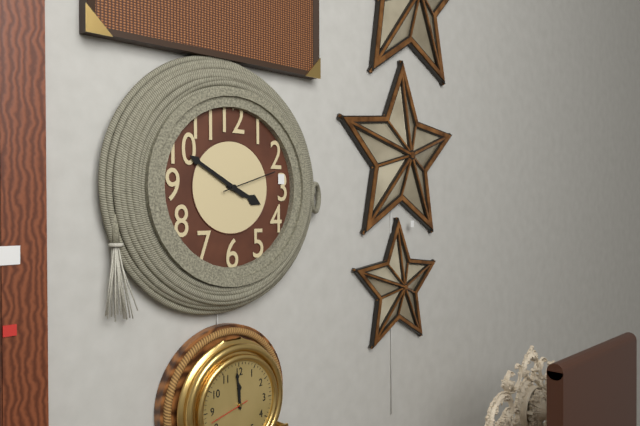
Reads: 3:50:12
